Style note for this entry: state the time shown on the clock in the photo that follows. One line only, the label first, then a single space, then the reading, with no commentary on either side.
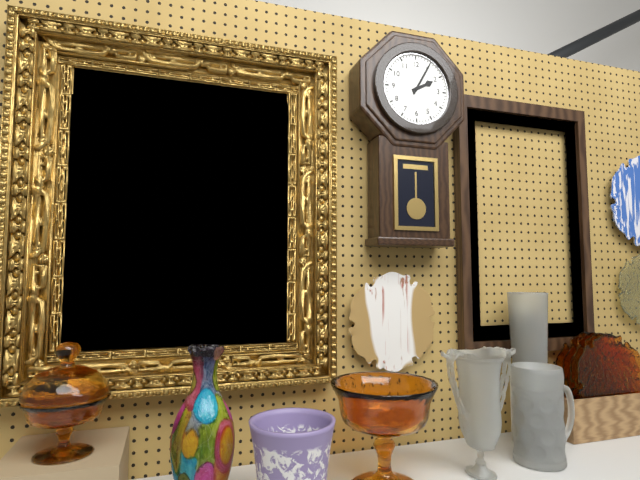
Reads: 2:05
